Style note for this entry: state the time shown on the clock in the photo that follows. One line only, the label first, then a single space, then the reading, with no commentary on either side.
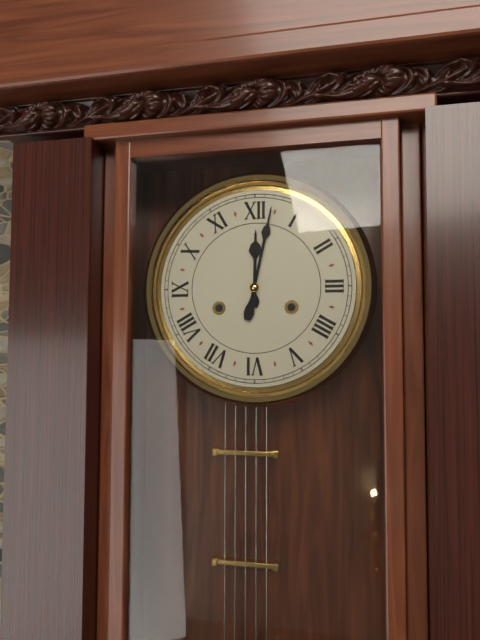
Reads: 12:02
